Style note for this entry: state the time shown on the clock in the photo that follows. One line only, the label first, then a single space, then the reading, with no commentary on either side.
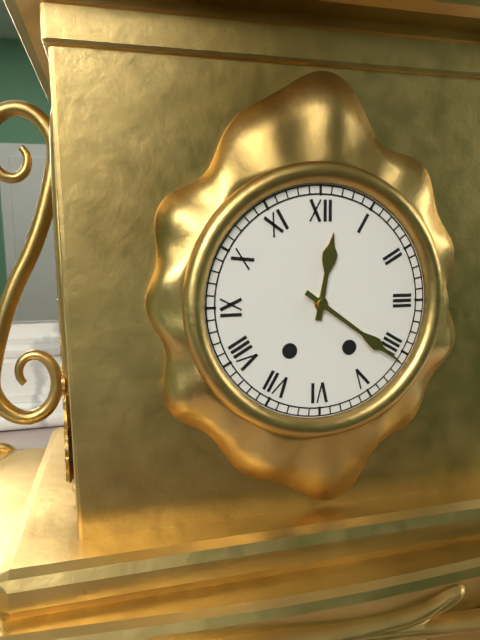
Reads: 12:21
